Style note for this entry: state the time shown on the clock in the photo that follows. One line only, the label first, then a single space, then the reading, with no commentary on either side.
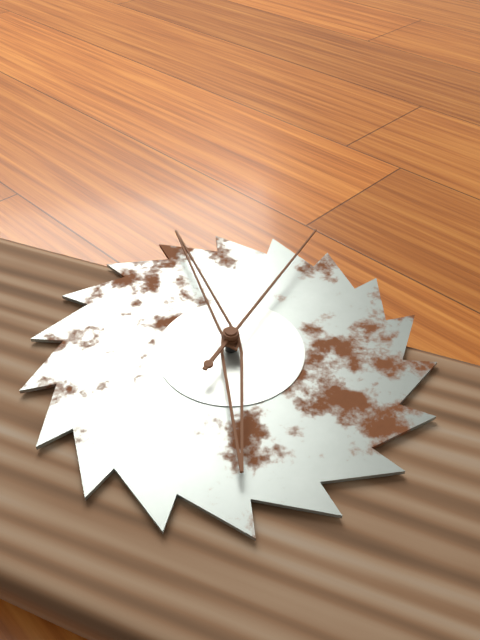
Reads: 8:08:16
